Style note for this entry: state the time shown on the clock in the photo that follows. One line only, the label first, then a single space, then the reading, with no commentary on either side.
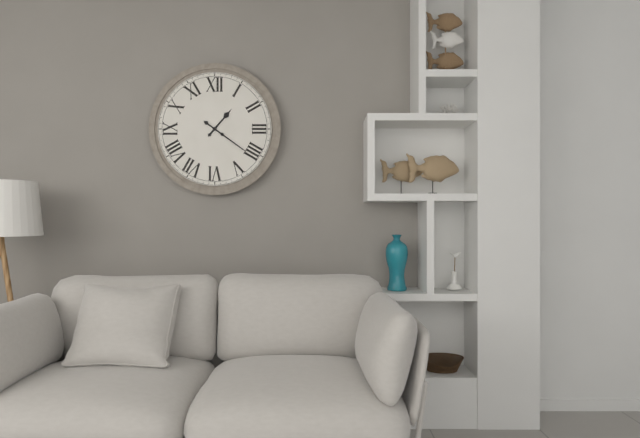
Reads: 1:21
